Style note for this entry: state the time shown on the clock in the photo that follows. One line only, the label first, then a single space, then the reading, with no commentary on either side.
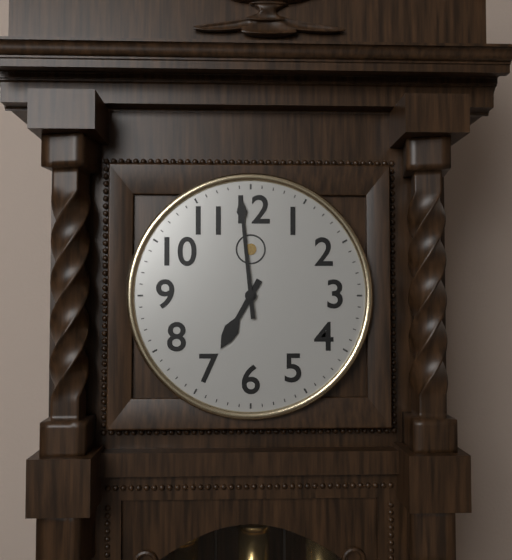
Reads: 6:59
